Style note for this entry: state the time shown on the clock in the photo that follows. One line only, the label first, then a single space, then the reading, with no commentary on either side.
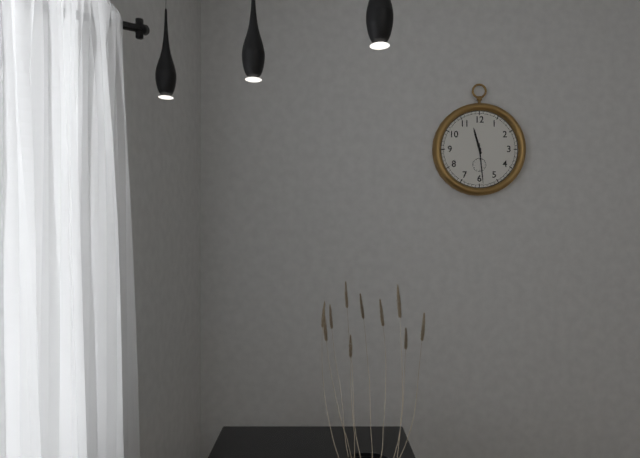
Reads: 11:29
